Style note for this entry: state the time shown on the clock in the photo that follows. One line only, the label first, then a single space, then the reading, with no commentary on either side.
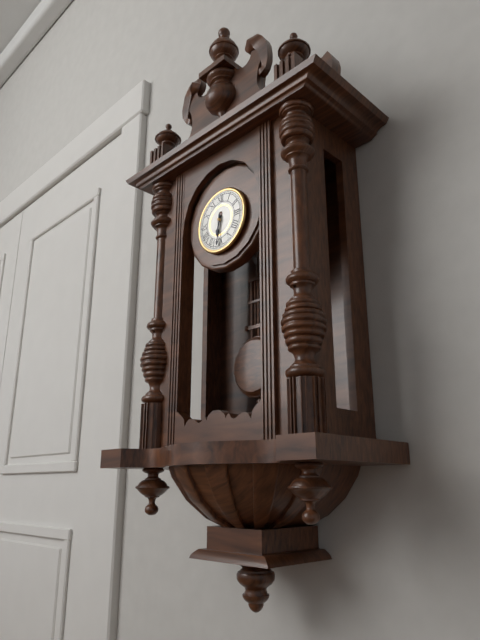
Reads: 6:31
